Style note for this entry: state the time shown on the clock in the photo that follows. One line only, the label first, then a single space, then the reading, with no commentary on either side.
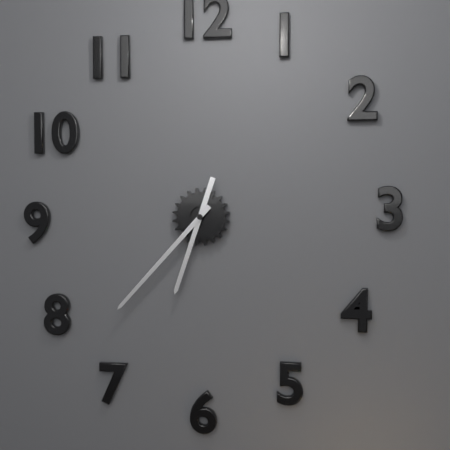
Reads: 6:37
